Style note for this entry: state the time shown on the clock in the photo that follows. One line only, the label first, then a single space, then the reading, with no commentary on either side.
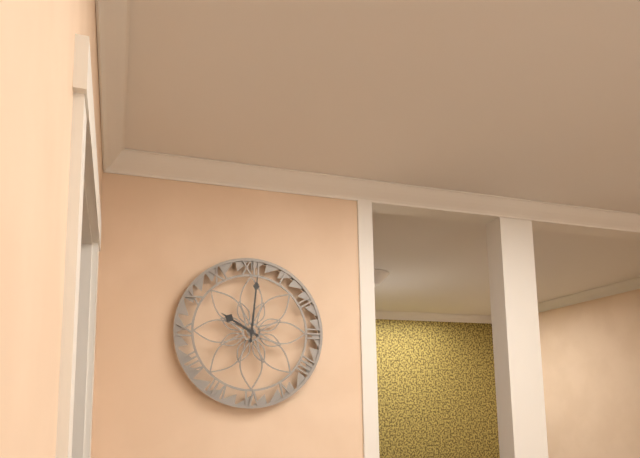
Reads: 10:01
